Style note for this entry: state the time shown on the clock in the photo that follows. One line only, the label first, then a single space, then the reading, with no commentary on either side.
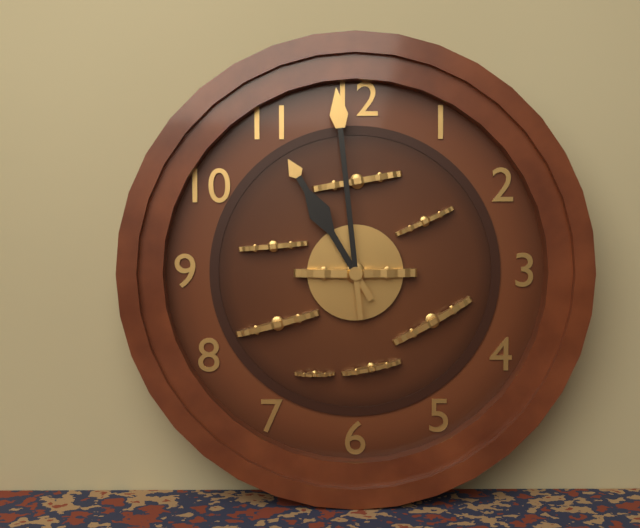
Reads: 10:59
